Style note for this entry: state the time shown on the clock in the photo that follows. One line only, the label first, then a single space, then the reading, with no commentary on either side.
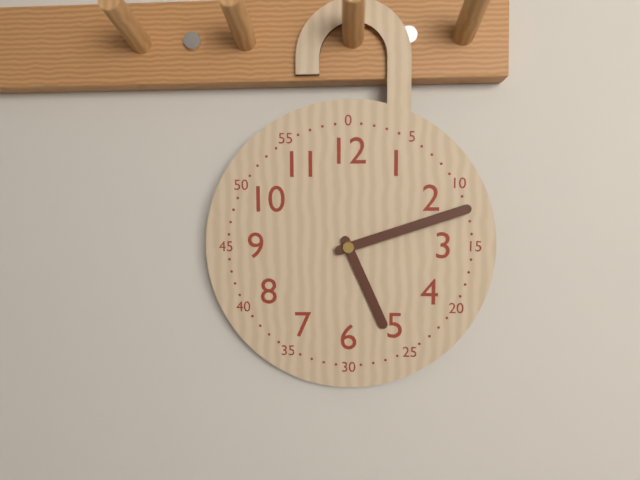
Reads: 5:12
